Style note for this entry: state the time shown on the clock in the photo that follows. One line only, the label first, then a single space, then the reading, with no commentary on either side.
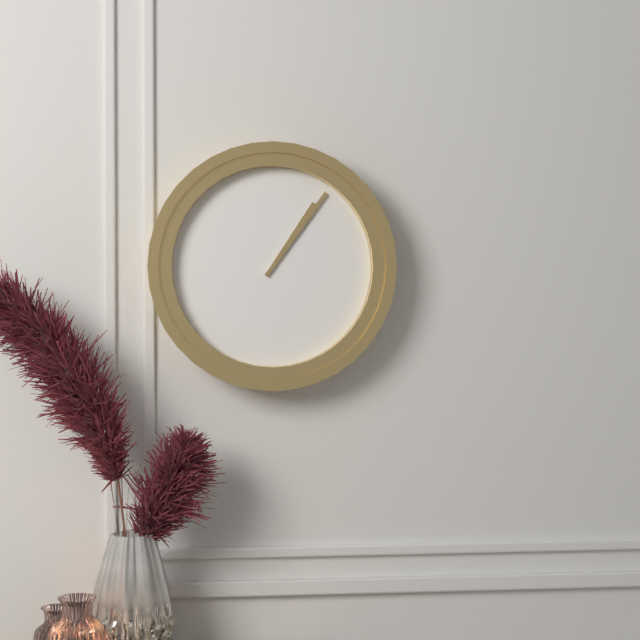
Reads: 1:06
